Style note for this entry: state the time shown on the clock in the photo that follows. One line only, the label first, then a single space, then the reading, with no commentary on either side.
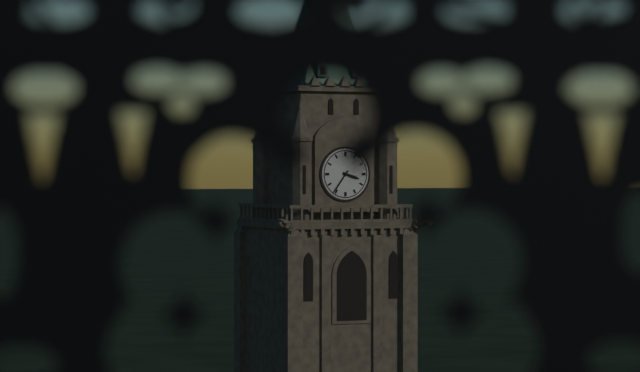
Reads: 3:36
